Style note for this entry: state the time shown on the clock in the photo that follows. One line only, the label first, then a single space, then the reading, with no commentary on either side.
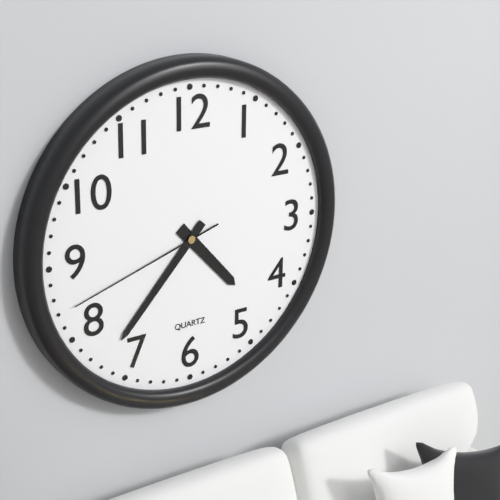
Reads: 4:37:42
